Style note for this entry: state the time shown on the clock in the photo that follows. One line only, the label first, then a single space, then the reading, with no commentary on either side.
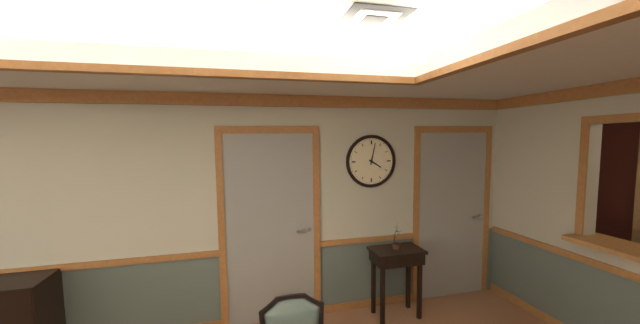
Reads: 4:02
